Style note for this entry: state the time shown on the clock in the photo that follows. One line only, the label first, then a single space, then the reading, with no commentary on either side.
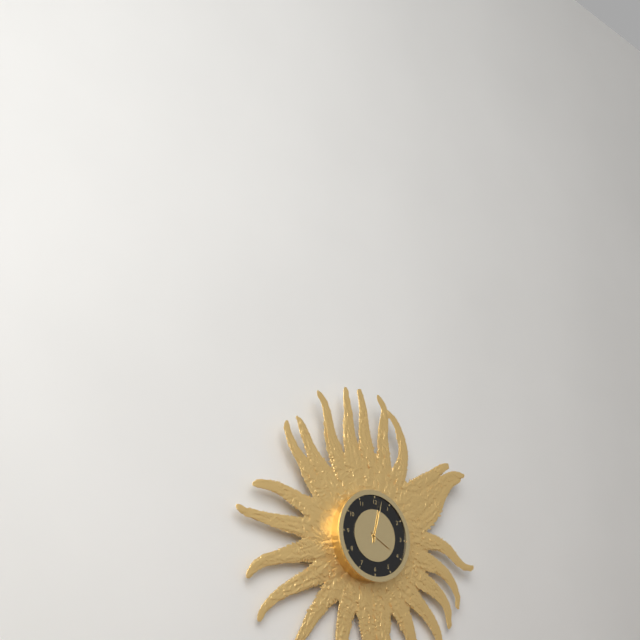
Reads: 4:02
